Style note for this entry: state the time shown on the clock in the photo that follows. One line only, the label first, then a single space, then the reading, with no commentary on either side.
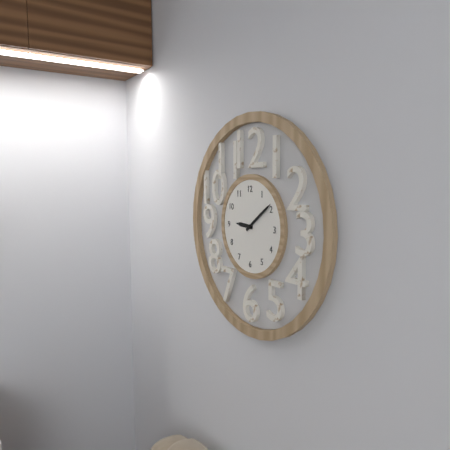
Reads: 9:09
